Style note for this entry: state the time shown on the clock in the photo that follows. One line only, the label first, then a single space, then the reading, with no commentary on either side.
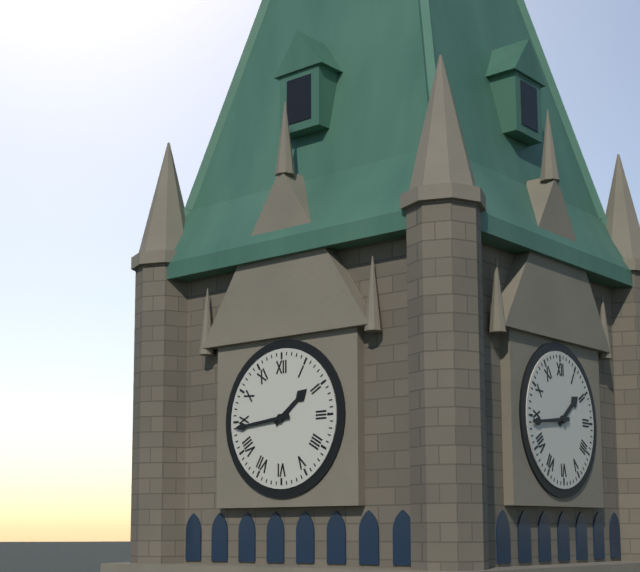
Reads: 1:44
